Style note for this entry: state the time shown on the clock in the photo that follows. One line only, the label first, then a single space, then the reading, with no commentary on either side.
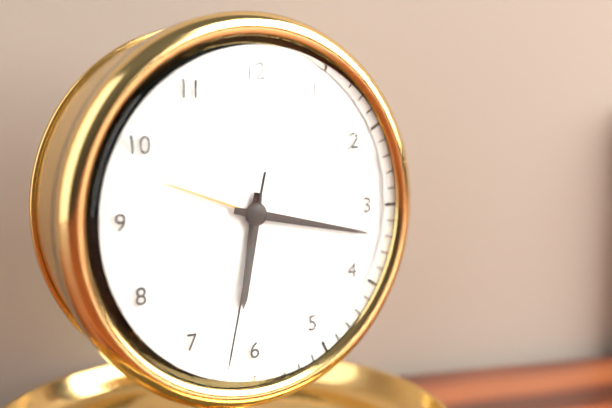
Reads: 6:17:32
